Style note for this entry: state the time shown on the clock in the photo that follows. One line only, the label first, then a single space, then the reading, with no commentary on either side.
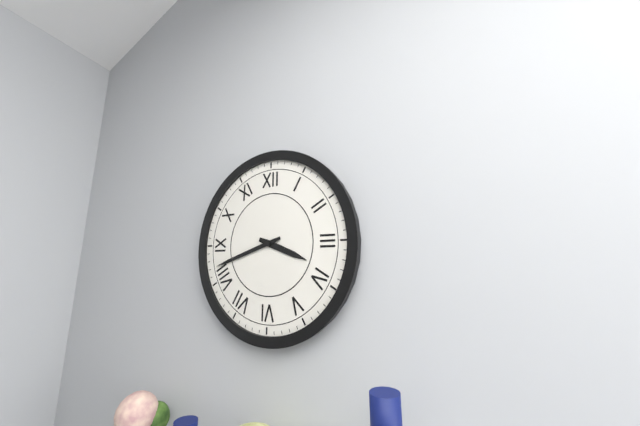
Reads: 3:42
